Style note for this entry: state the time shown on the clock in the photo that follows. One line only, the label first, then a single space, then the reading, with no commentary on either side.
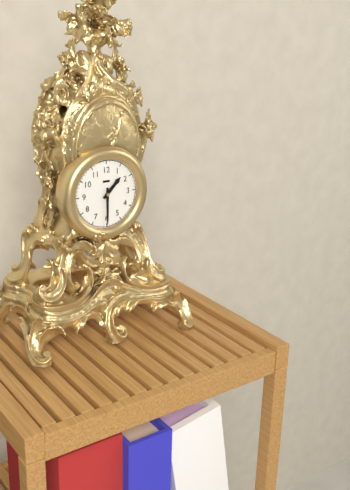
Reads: 1:30
